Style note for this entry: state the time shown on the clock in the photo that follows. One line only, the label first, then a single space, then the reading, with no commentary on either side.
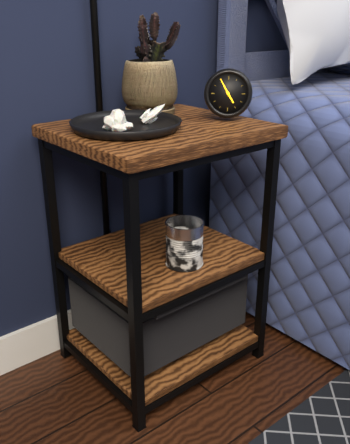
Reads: 4:55
